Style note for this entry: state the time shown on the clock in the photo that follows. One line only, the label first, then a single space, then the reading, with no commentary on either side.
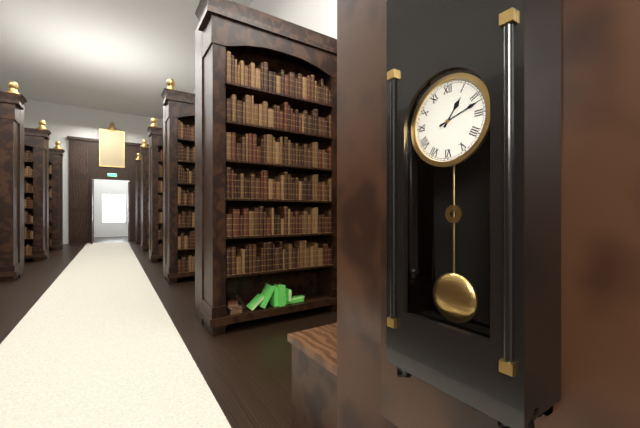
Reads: 1:12
